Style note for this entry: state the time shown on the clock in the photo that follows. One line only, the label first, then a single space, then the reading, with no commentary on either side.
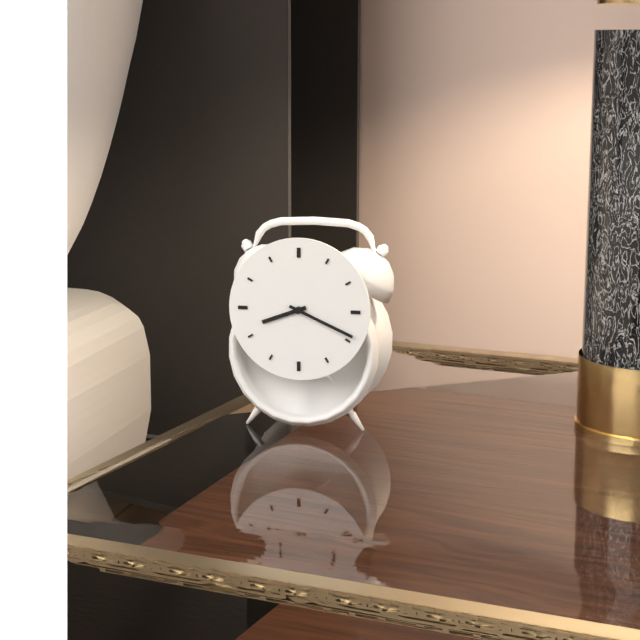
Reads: 8:19
